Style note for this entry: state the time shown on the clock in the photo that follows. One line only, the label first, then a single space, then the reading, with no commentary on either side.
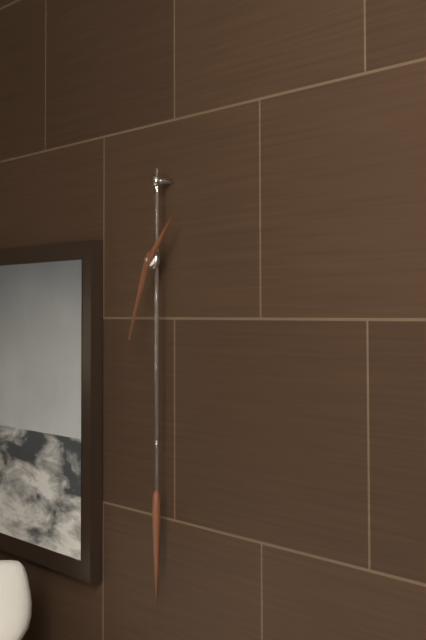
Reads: 1:34
